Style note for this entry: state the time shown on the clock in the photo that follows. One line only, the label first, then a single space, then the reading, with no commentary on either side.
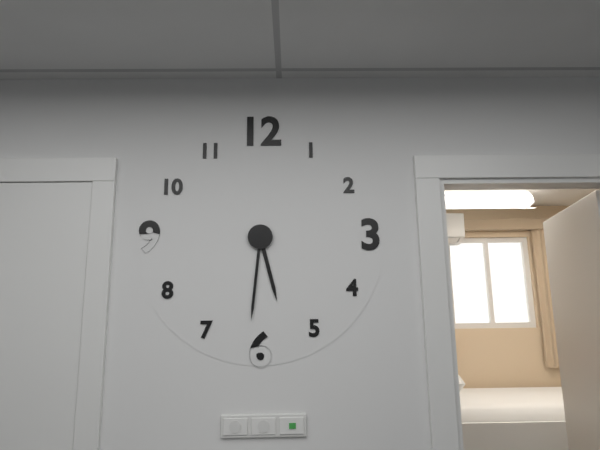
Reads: 5:31
